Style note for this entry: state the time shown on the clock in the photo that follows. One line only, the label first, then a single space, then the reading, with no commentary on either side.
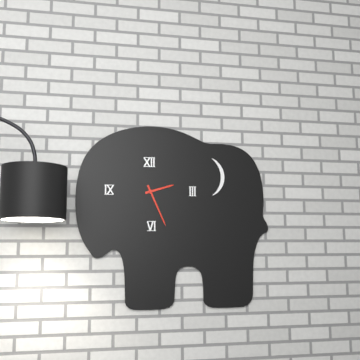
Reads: 2:26
